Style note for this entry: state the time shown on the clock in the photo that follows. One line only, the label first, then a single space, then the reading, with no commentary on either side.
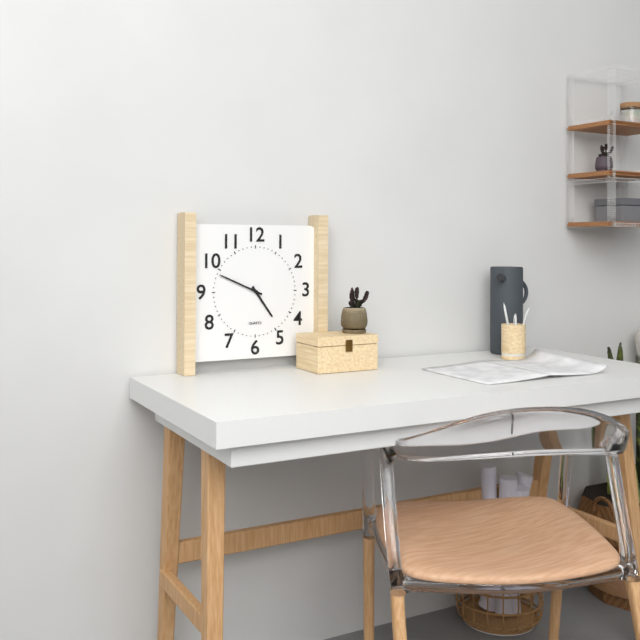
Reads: 4:49
